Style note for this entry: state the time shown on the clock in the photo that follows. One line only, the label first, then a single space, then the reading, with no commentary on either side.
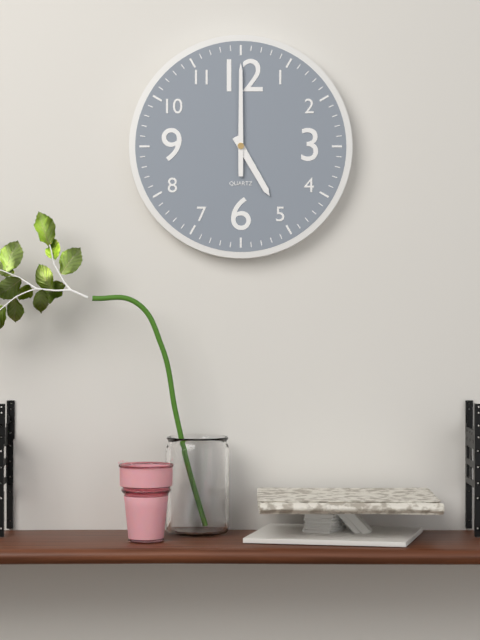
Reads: 5:00
